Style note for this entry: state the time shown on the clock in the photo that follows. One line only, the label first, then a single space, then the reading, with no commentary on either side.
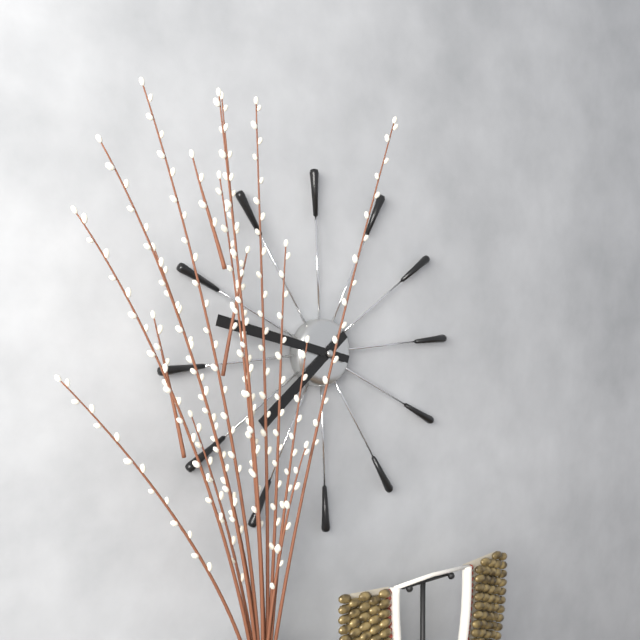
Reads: 7:48
